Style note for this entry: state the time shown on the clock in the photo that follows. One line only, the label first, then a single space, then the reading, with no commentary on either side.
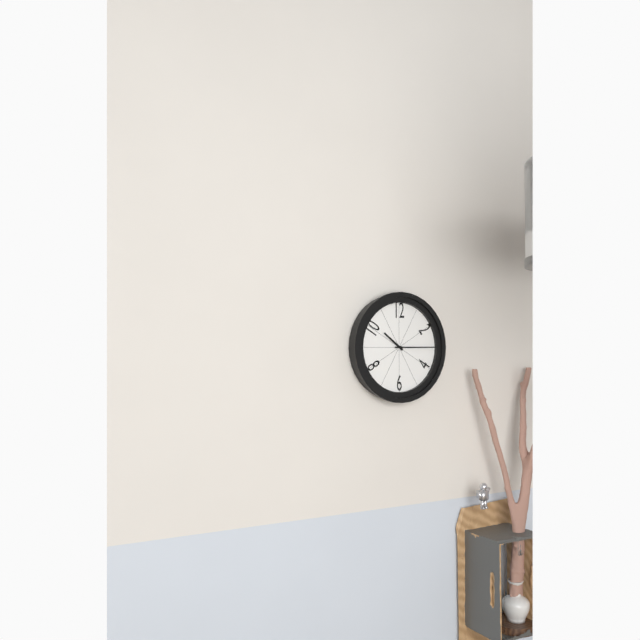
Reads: 10:15
